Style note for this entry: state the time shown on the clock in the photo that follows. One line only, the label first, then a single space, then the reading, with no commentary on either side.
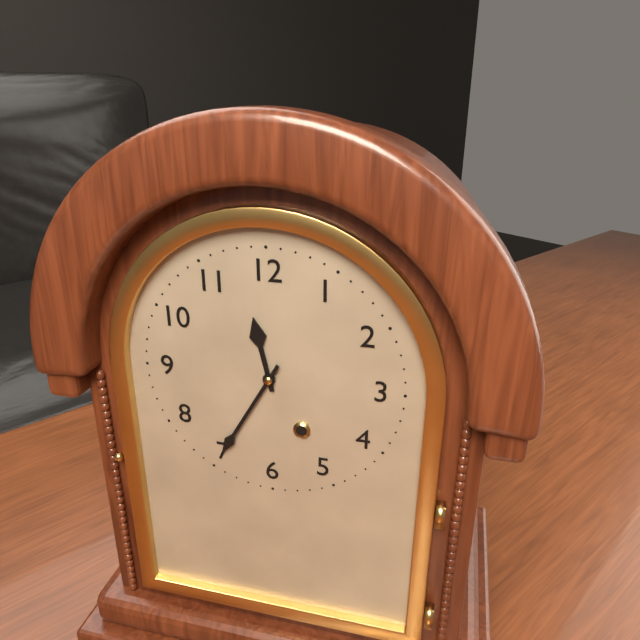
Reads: 11:35
